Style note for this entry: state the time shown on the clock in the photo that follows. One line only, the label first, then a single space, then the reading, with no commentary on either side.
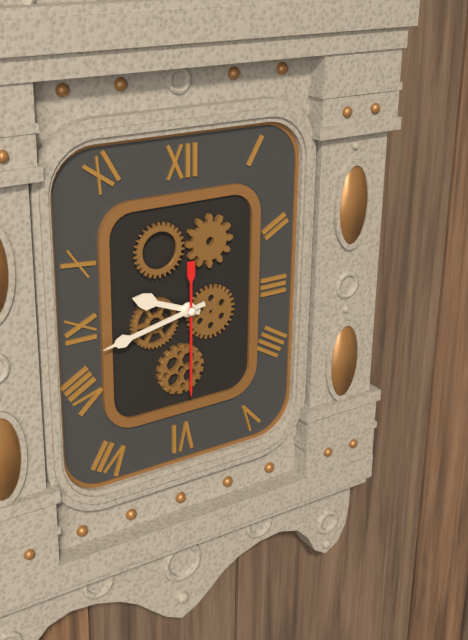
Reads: 9:43:30
